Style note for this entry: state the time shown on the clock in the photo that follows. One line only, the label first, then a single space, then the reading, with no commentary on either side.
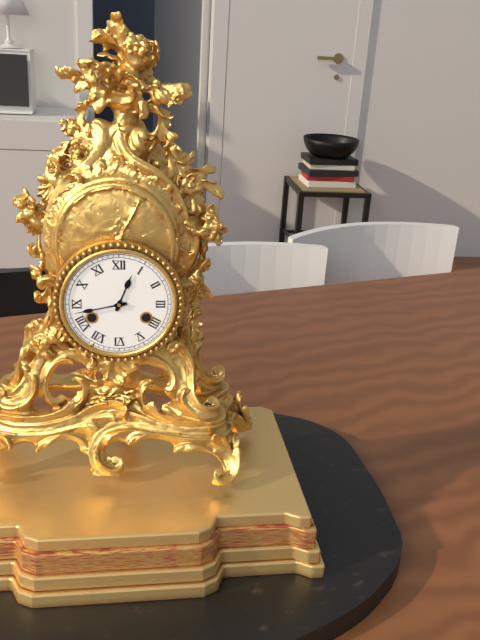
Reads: 12:43
